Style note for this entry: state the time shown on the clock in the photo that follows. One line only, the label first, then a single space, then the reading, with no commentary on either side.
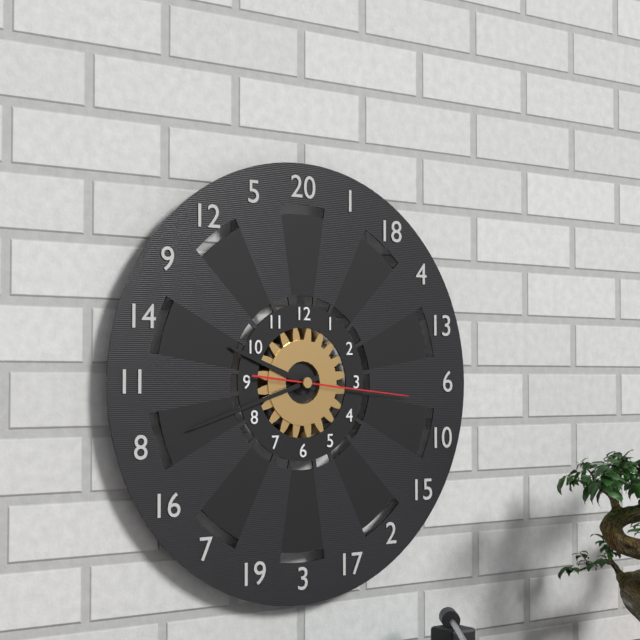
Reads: 9:42:16
